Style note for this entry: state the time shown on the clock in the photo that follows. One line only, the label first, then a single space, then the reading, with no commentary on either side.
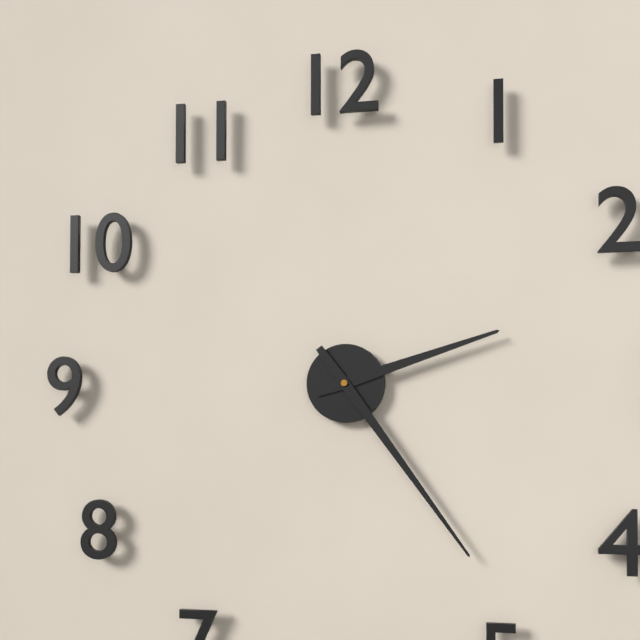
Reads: 2:24
